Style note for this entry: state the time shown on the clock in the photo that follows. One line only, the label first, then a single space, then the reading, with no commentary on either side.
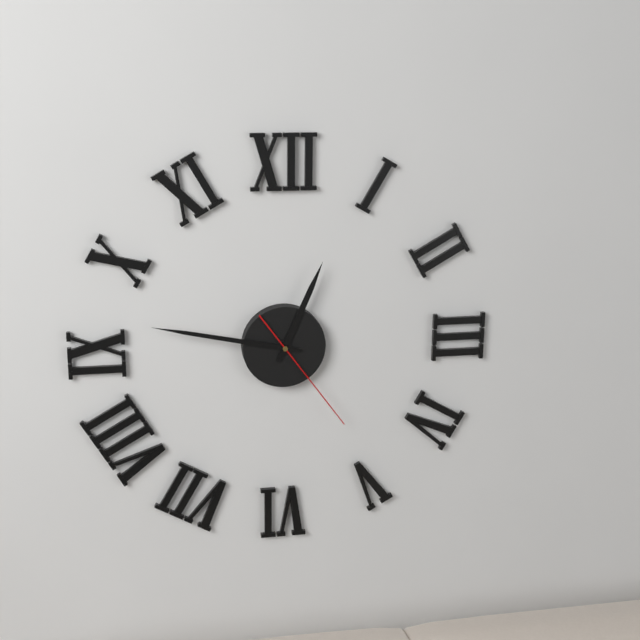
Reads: 12:47:24
